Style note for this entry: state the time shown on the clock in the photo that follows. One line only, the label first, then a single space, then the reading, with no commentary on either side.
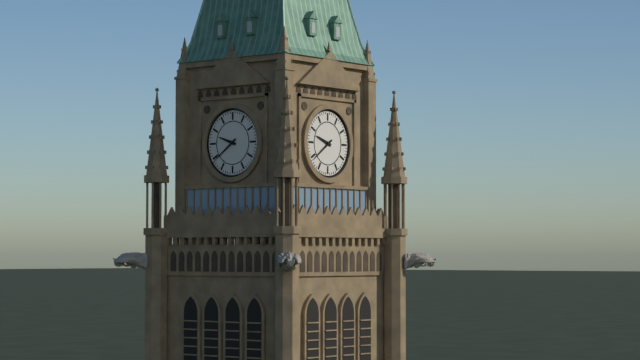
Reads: 9:39
